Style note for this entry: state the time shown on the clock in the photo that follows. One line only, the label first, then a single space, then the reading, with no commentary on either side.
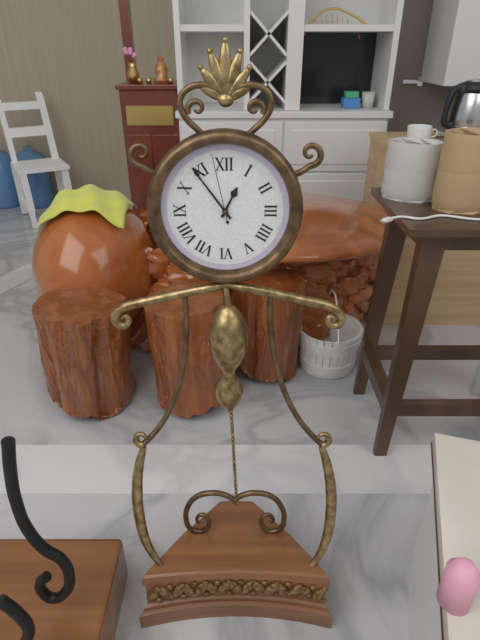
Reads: 12:54:58
